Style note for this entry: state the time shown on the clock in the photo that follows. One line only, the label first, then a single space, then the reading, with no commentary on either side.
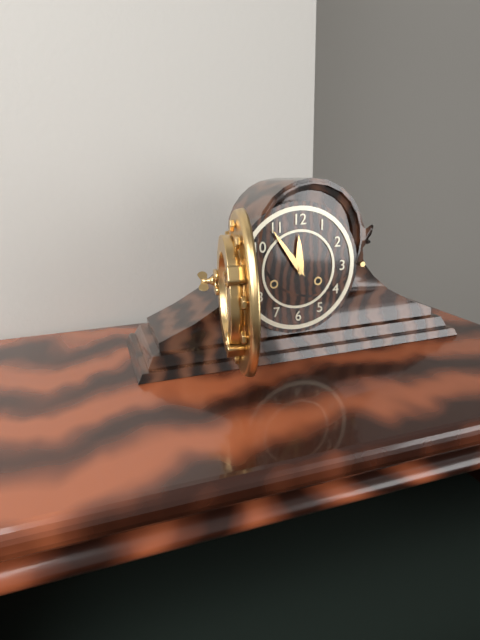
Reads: 11:54
